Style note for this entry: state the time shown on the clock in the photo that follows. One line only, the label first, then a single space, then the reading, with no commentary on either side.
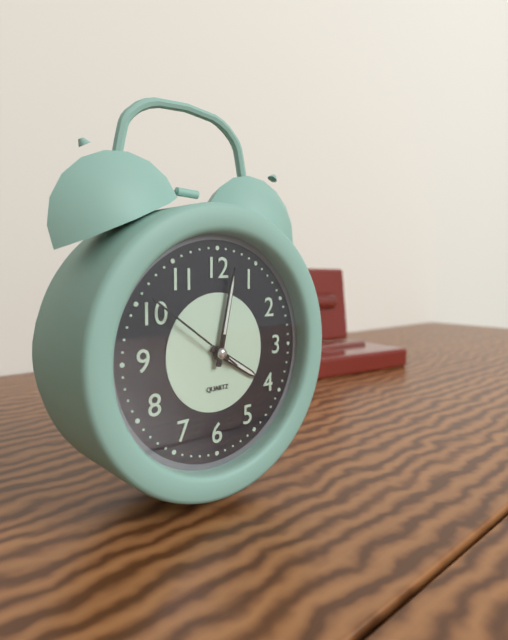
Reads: 4:02:51
